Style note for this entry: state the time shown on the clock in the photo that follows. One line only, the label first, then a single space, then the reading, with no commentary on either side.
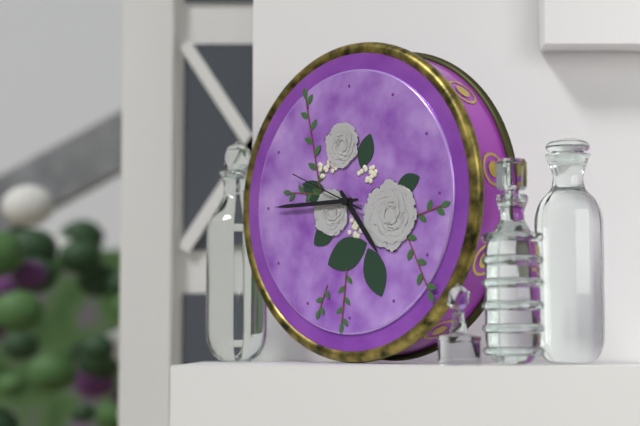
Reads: 4:45:49
